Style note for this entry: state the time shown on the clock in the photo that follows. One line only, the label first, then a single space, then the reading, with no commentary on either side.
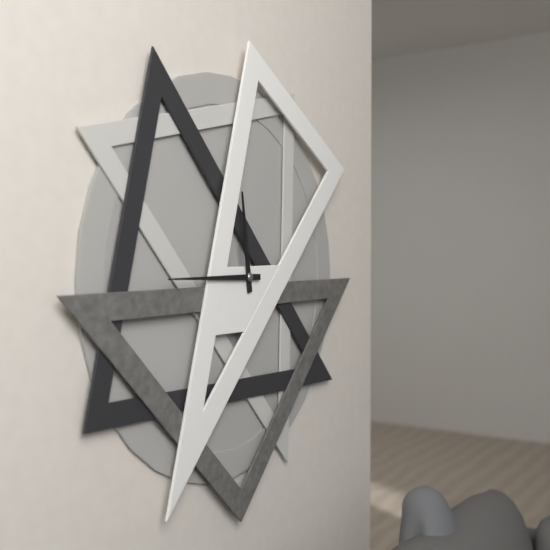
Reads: 11:45
